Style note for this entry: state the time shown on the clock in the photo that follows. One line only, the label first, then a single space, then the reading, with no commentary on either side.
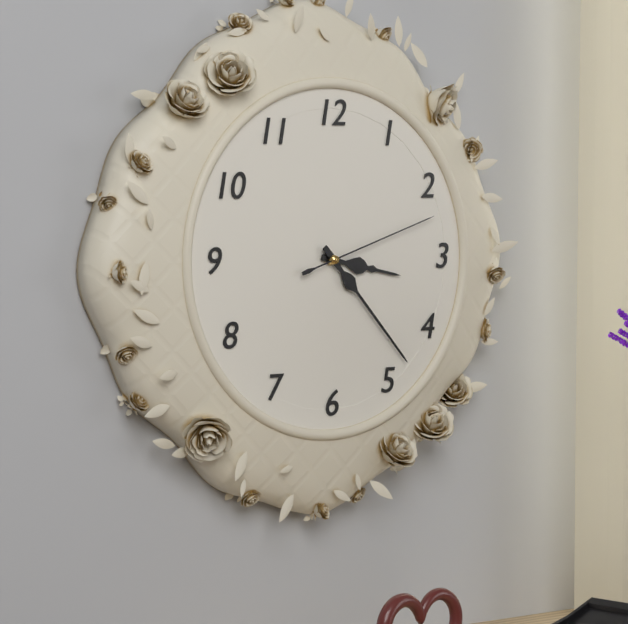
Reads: 3:23:12
